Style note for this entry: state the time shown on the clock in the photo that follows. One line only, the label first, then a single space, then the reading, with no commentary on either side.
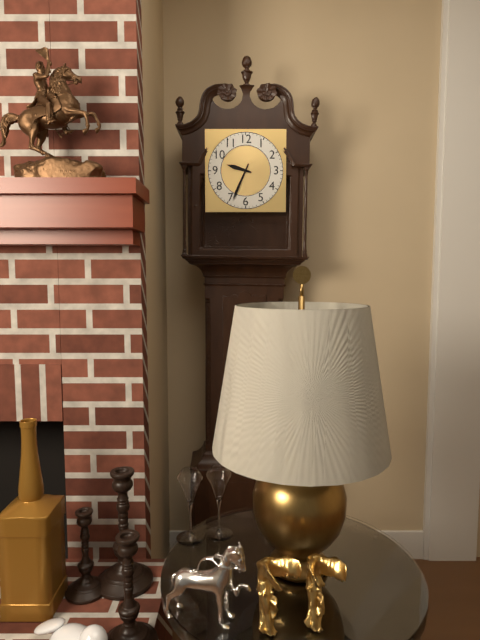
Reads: 9:34
